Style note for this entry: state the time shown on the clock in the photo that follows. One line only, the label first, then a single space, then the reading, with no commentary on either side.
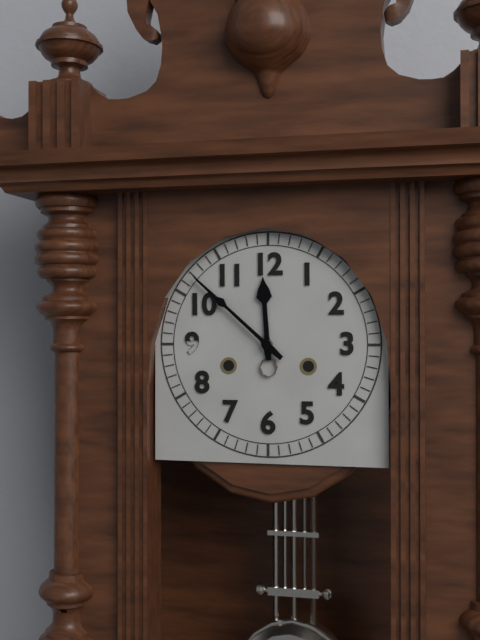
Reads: 11:52
